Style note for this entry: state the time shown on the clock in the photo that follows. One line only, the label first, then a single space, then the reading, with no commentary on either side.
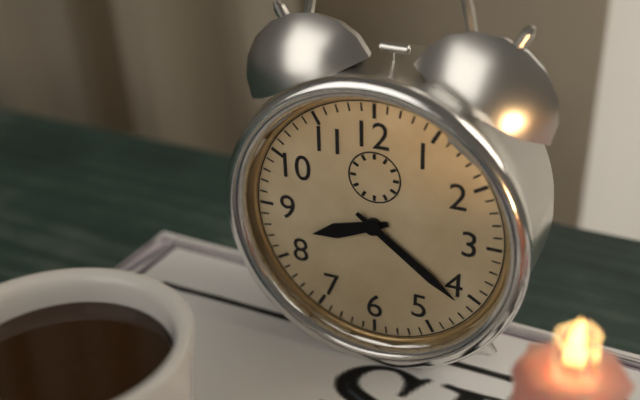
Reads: 8:21
